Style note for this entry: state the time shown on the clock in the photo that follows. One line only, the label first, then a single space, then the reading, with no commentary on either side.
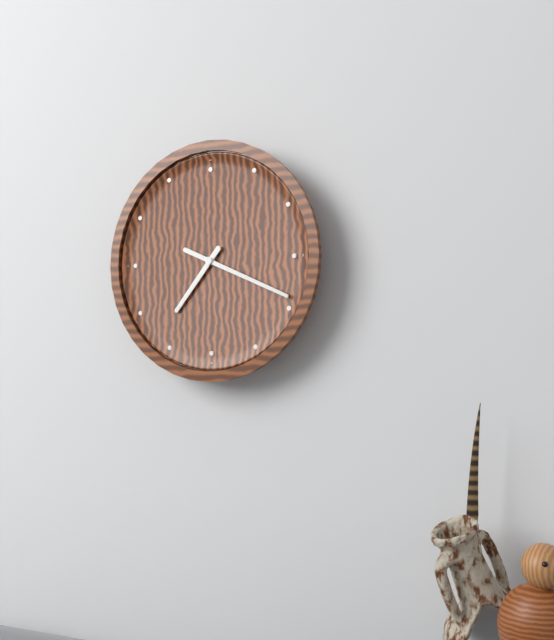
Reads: 7:19
